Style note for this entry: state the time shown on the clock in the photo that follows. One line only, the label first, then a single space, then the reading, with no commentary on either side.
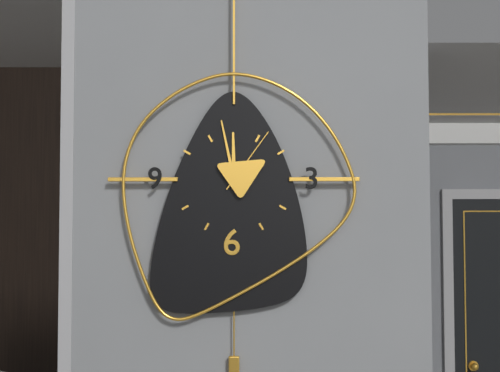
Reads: 11:58:06
